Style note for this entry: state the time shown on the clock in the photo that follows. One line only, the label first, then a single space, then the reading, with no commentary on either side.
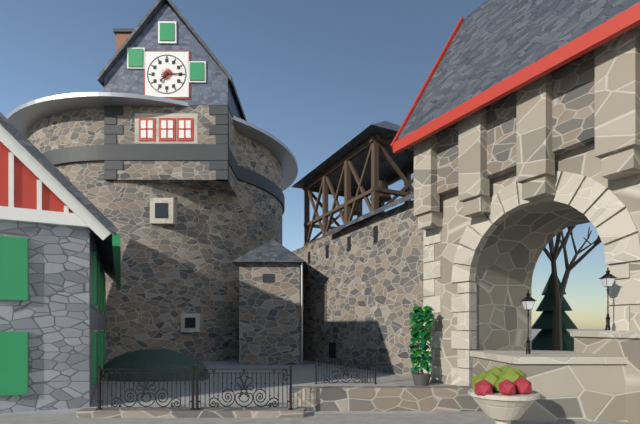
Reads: 7:15
